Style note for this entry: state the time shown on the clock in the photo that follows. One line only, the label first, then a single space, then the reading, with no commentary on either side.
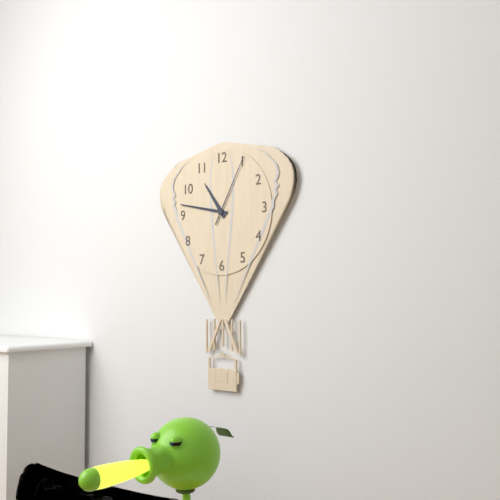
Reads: 10:47:05
